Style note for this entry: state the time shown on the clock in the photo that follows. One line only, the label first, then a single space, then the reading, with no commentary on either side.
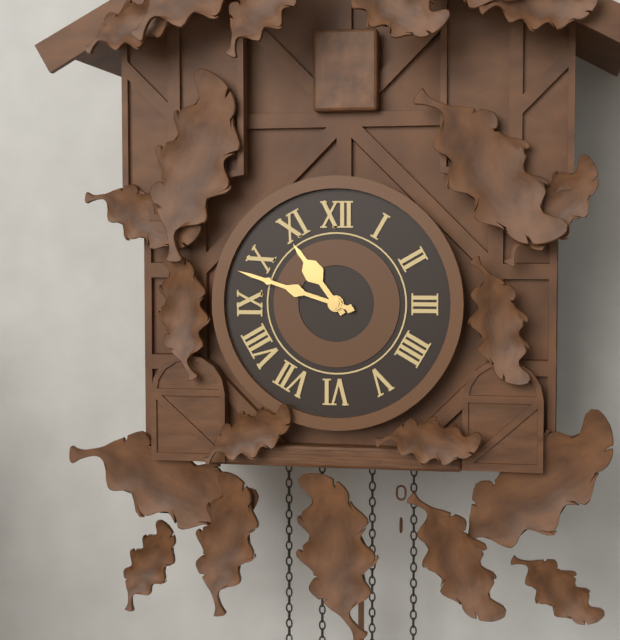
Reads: 10:48
